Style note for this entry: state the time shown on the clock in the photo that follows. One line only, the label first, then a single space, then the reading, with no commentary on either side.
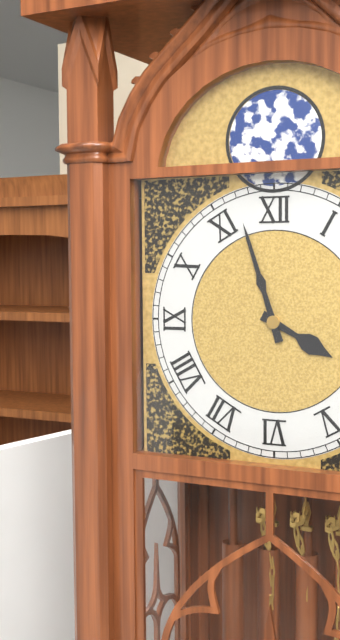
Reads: 3:57
